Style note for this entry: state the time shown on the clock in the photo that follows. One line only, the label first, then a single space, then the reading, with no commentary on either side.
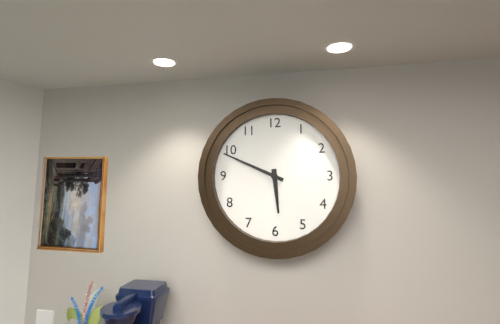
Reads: 5:49
